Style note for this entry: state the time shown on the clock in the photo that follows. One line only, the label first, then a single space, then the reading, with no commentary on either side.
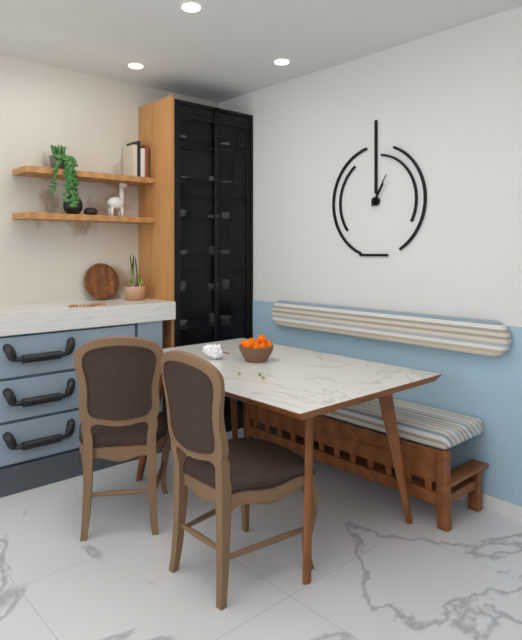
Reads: 1:05
